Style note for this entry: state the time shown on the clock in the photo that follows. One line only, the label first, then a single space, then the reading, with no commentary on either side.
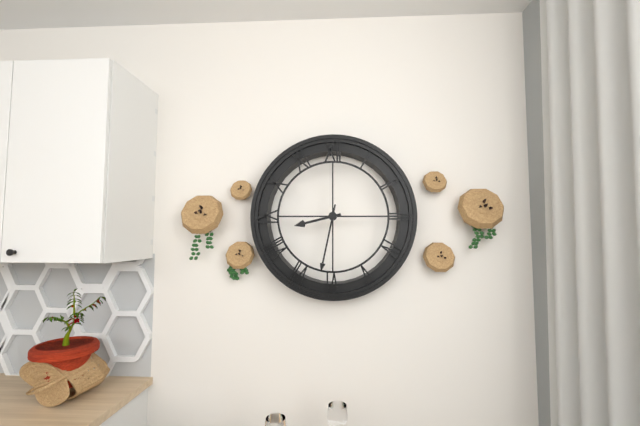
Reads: 8:32
